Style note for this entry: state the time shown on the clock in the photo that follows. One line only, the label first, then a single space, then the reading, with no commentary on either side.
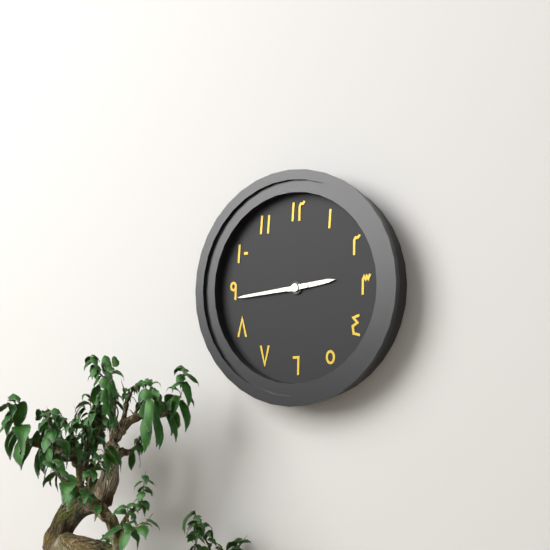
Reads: 2:44
